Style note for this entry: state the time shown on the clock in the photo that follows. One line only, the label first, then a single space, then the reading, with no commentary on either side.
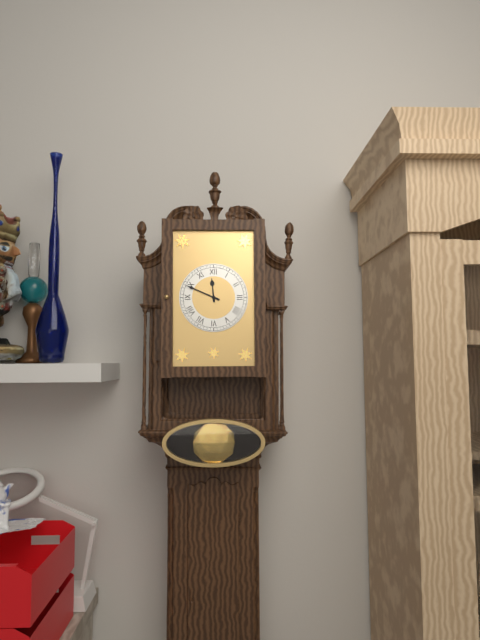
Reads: 11:49
